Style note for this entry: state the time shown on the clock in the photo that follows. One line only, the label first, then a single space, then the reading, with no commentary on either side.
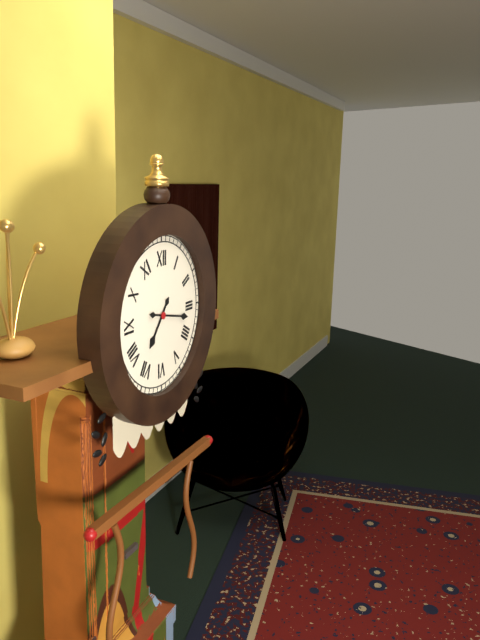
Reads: 7:17
